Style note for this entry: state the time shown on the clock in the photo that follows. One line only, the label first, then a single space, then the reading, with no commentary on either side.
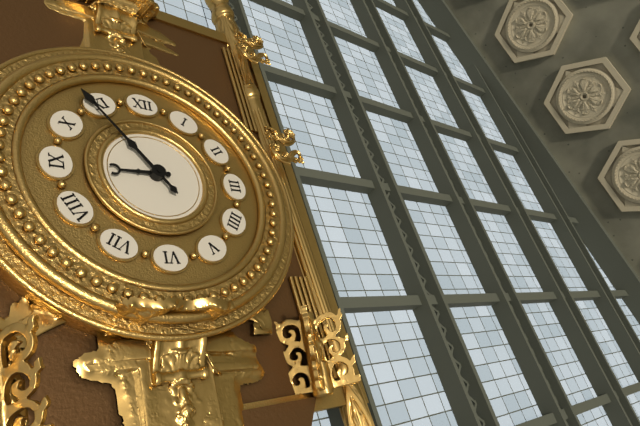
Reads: 8:54
